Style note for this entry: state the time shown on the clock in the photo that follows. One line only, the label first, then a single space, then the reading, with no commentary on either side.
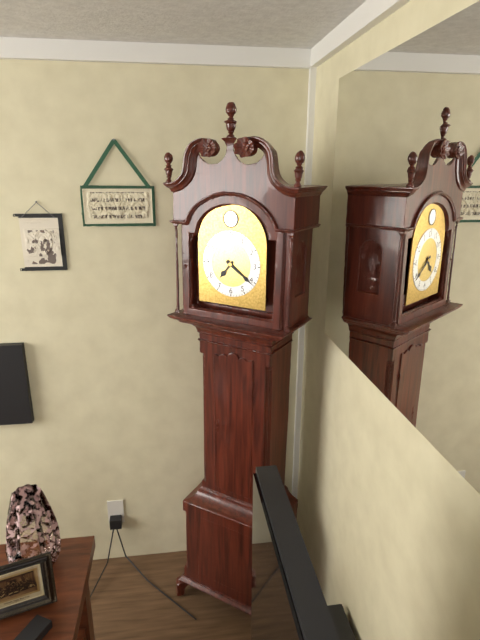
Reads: 7:21
